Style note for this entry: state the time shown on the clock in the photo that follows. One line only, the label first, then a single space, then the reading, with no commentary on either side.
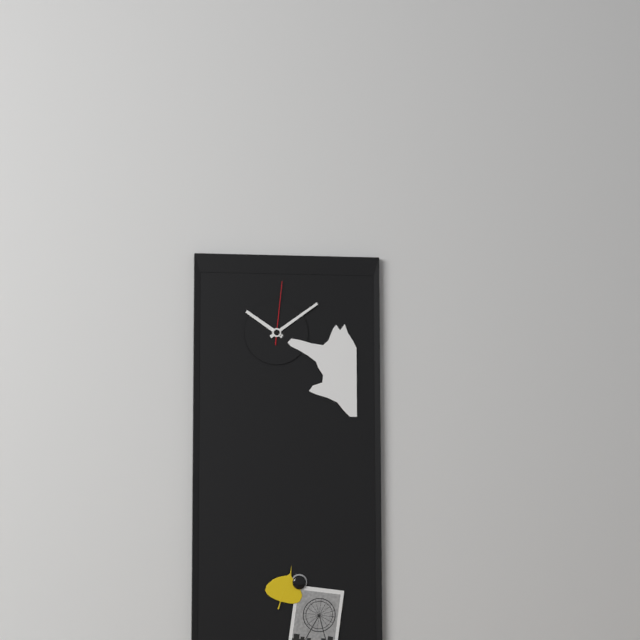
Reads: 10:09:01
